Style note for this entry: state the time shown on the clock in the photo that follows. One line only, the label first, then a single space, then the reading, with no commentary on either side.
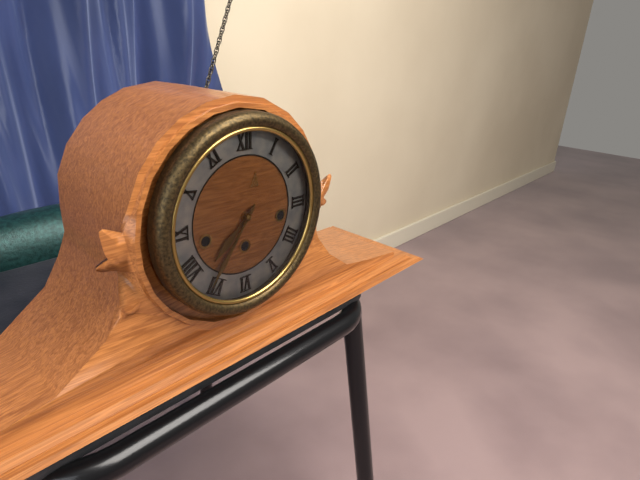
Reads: 7:36
